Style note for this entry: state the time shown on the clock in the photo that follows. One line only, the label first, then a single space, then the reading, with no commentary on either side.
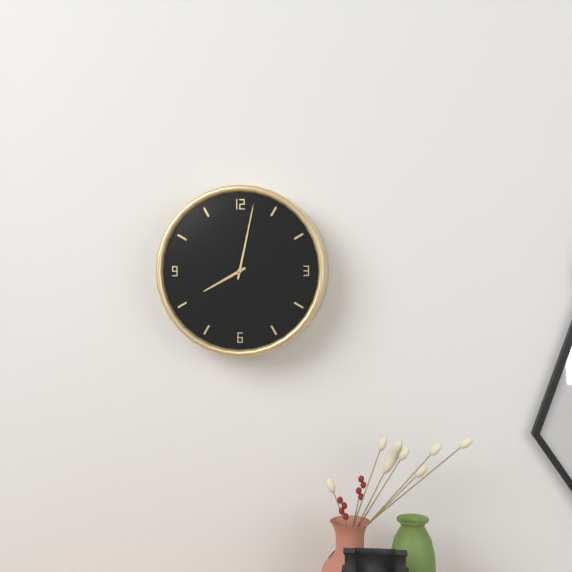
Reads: 8:02
